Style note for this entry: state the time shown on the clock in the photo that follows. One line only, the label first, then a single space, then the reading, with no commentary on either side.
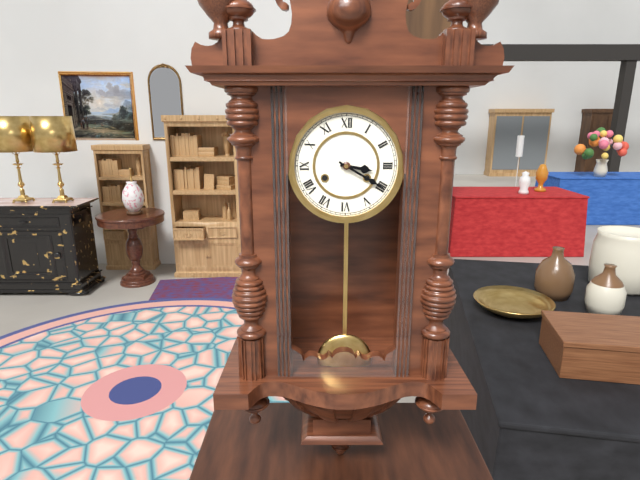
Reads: 3:20
